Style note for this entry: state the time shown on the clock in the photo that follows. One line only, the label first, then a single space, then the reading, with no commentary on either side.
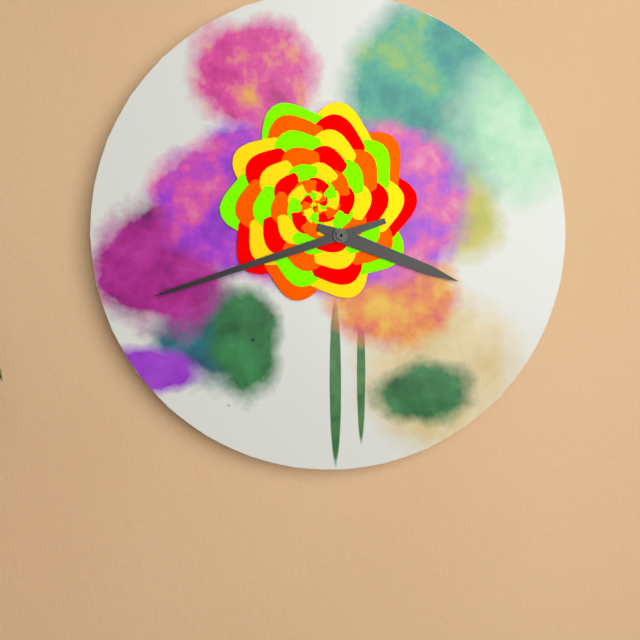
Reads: 3:42
